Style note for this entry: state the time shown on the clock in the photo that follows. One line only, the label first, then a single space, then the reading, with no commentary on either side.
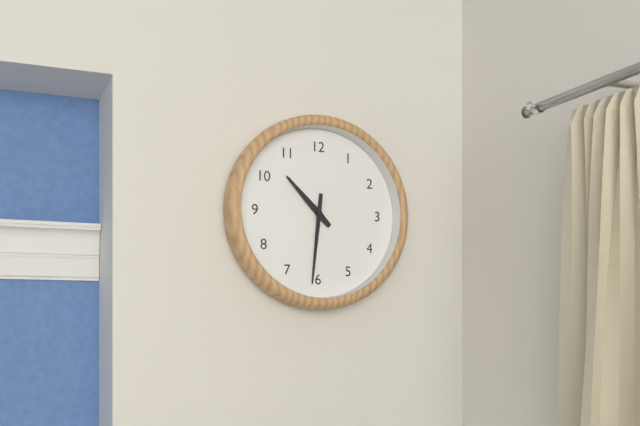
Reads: 10:31
